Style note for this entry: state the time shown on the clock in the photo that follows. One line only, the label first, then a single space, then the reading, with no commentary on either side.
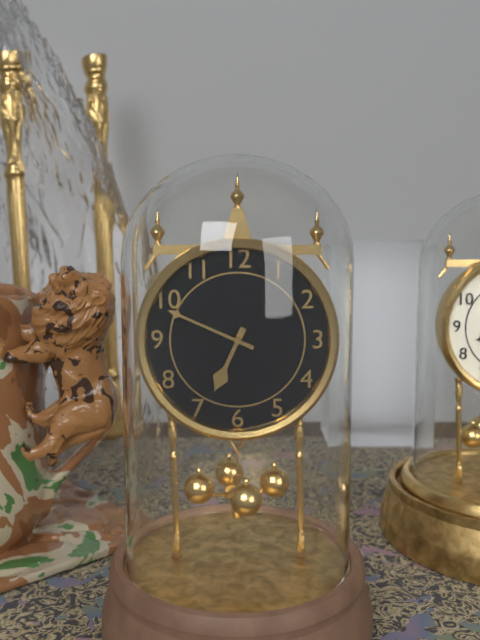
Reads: 6:49
